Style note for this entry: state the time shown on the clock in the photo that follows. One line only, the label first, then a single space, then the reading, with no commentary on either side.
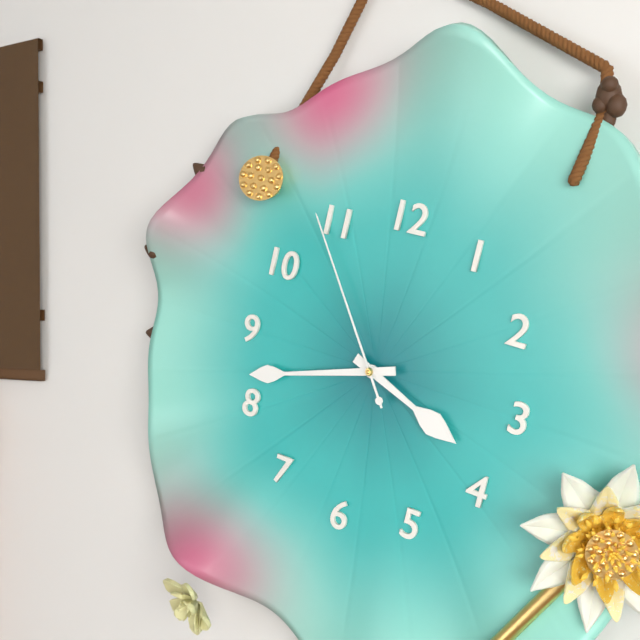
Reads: 3:42:54
